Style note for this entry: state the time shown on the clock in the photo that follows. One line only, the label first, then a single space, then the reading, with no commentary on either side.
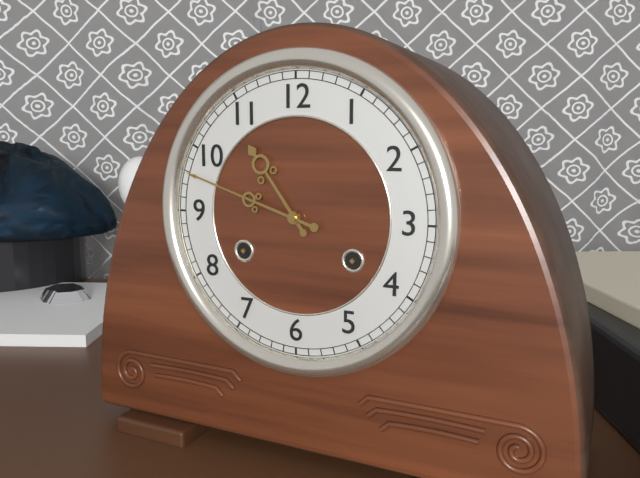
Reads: 10:48
